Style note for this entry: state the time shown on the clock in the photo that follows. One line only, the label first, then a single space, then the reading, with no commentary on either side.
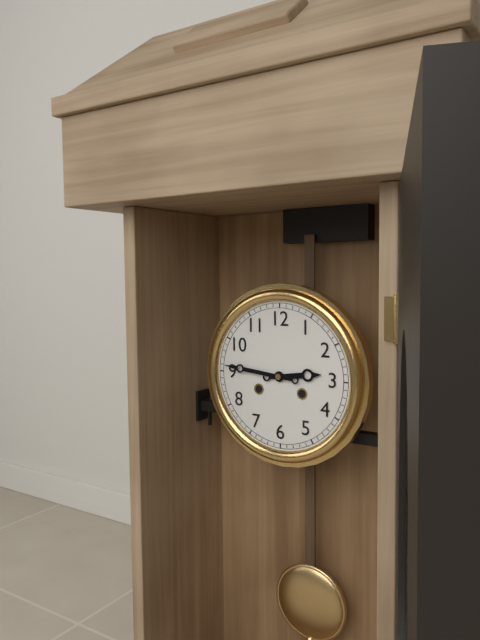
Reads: 2:46
